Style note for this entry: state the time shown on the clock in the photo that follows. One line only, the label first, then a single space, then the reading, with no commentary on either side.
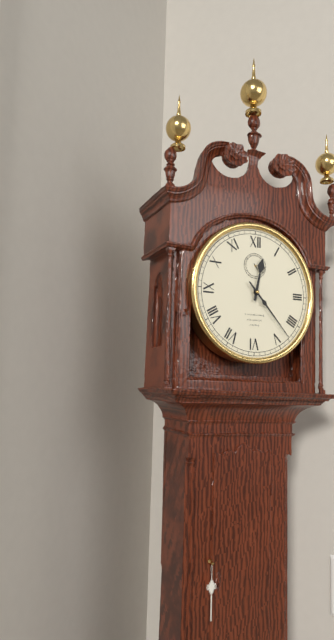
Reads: 12:23
